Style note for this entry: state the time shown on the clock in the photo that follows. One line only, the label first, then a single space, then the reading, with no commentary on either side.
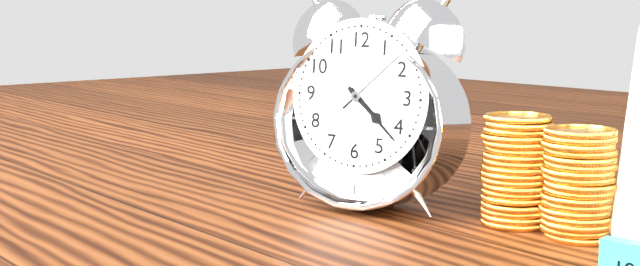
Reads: 4:22:08
